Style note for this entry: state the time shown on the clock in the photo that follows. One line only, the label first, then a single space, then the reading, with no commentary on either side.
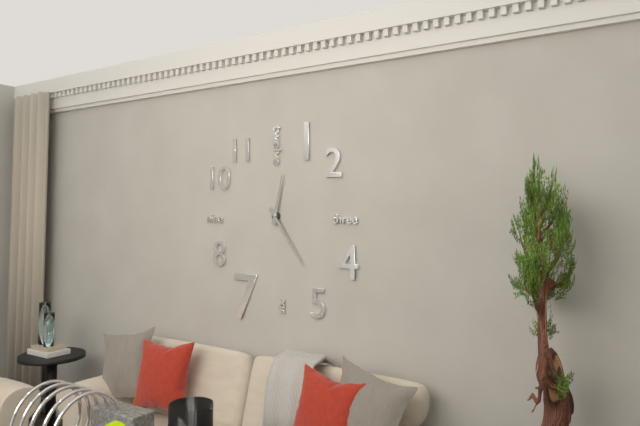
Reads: 12:24
